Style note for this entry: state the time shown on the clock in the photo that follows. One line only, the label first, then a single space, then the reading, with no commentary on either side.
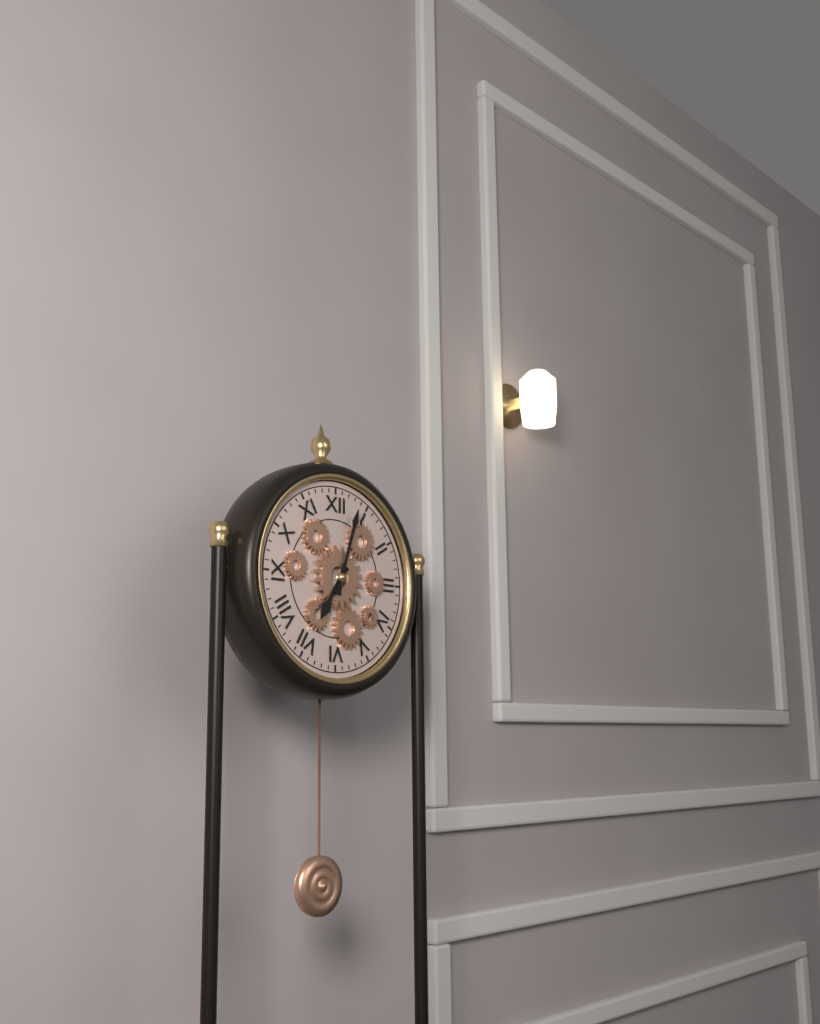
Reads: 7:03
